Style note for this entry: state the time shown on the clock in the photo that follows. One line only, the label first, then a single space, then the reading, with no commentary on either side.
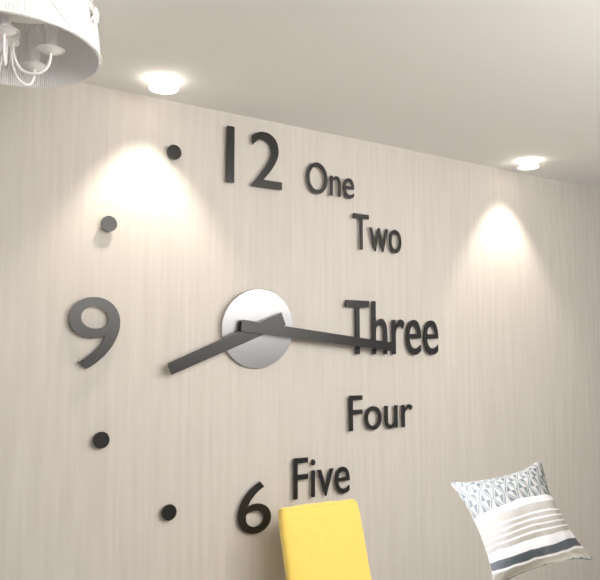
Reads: 8:16
